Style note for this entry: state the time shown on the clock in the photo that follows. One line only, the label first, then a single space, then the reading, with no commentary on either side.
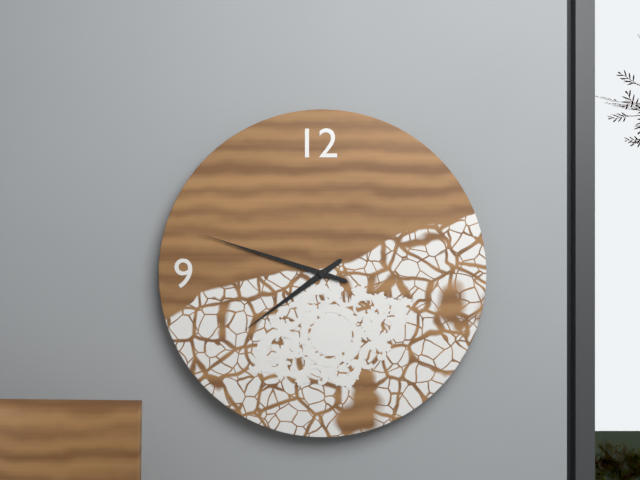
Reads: 7:48
